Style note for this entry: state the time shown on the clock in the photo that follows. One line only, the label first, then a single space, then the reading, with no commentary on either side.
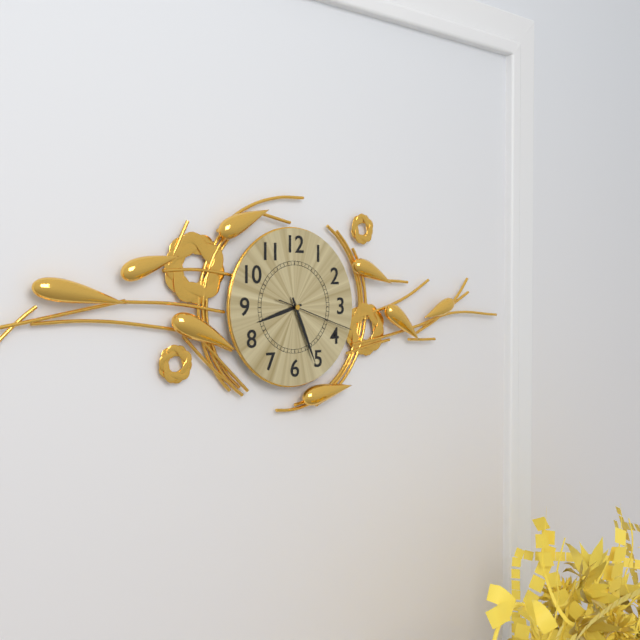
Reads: 8:26:18
